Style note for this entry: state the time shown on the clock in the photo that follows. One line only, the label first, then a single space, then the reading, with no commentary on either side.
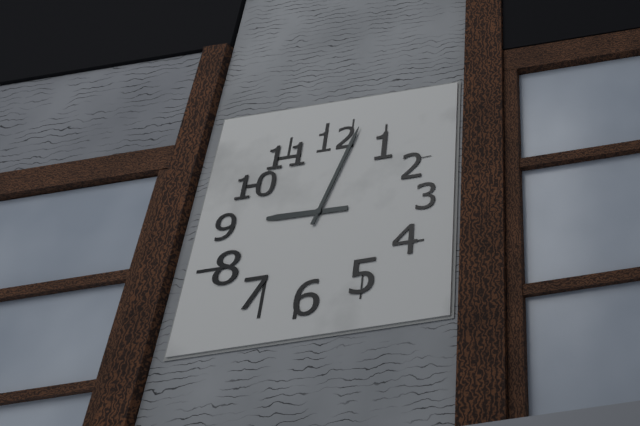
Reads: 9:03
